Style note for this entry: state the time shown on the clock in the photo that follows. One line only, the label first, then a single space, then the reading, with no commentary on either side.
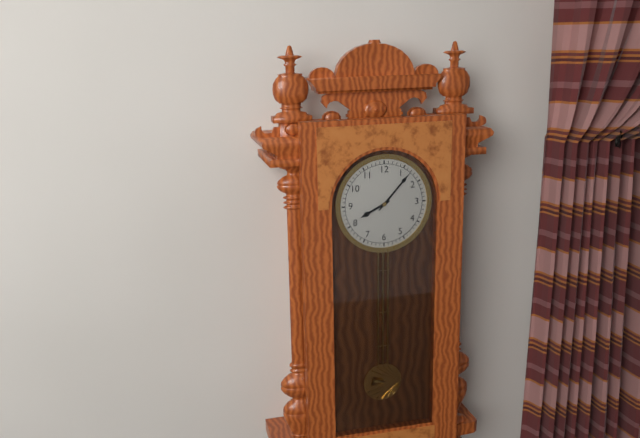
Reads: 8:07
